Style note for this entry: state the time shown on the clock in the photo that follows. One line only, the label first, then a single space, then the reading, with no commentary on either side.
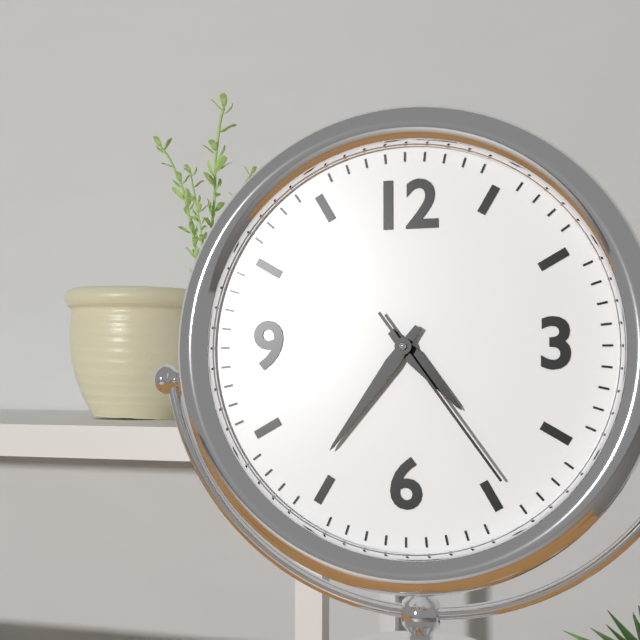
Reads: 4:36:24
